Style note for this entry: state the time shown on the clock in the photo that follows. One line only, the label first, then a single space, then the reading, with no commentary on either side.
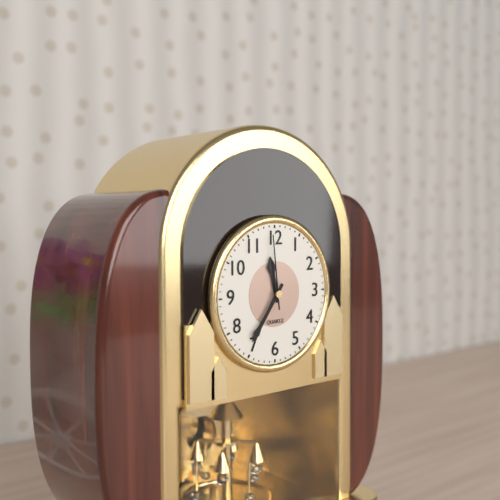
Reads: 11:36:59
